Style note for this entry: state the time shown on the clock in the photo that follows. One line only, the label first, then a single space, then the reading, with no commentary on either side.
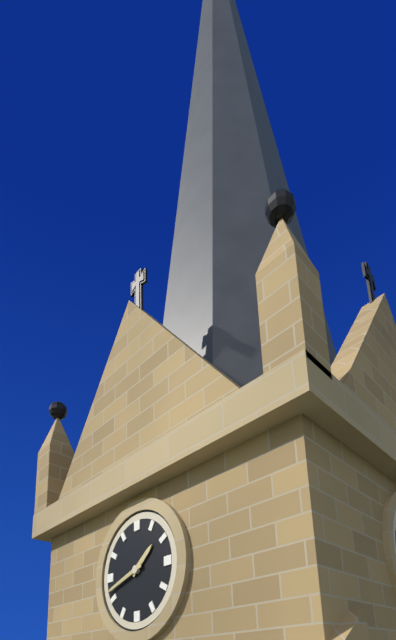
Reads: 1:42
